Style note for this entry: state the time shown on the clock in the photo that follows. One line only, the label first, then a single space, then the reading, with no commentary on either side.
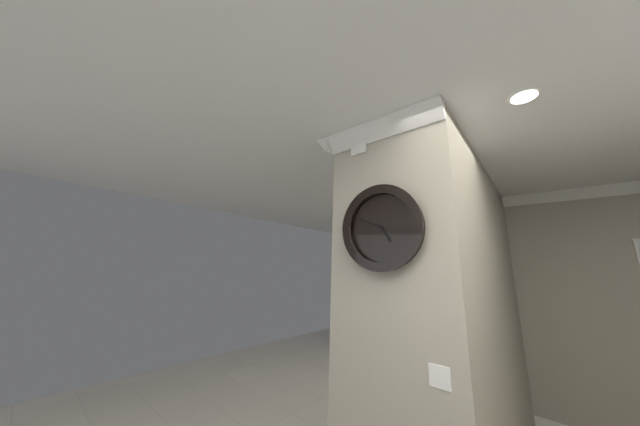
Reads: 4:49
